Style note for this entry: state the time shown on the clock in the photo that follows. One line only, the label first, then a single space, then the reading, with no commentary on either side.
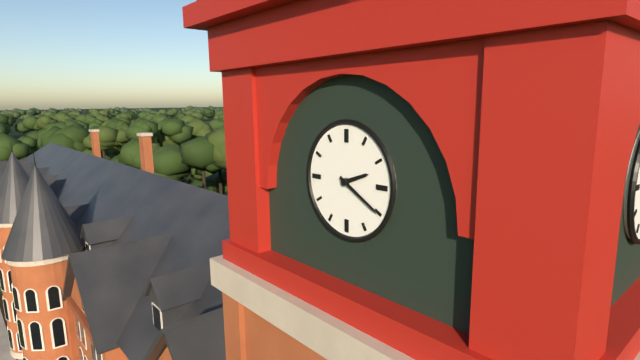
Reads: 2:20
